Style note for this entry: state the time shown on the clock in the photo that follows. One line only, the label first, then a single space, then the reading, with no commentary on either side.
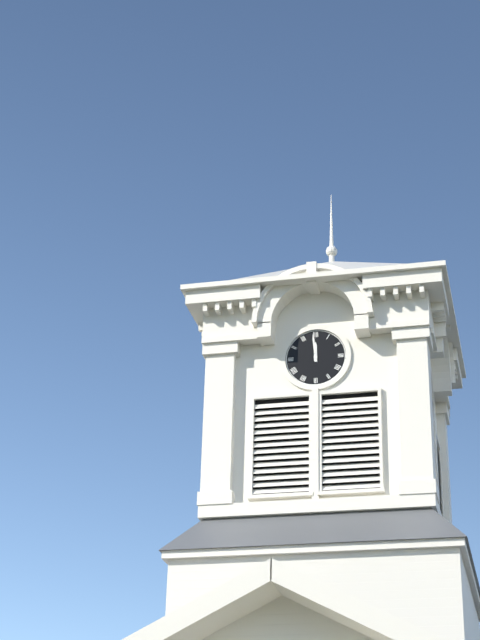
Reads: 11:59
